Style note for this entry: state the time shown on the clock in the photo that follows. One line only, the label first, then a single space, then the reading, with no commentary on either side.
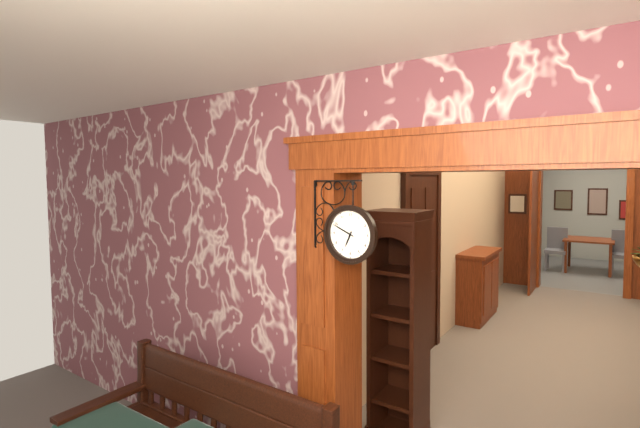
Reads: 6:49
